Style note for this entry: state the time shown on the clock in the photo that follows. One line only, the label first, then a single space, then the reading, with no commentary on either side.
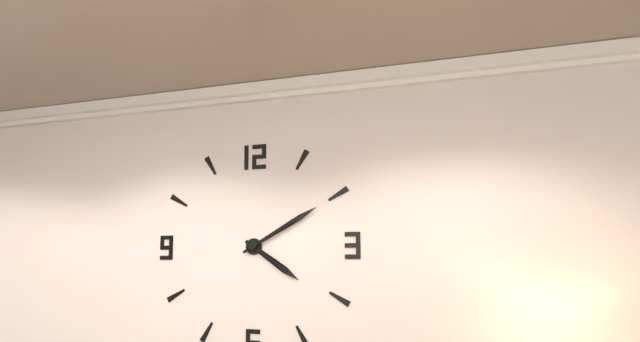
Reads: 4:10
